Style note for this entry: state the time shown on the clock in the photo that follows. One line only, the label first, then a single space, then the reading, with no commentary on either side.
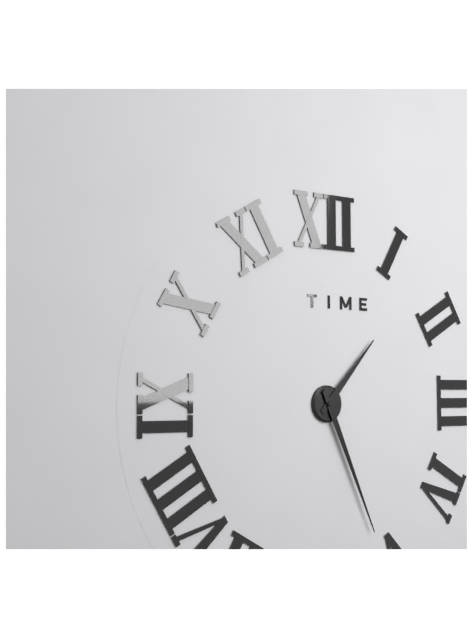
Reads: 1:26
